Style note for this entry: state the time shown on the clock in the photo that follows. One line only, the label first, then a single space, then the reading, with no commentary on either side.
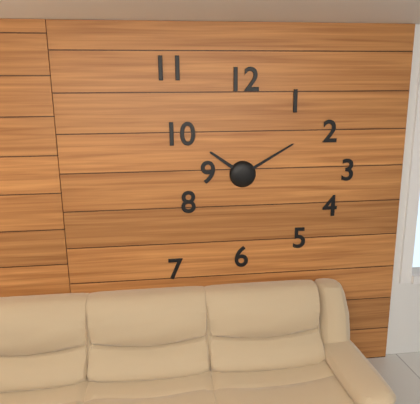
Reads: 10:10
